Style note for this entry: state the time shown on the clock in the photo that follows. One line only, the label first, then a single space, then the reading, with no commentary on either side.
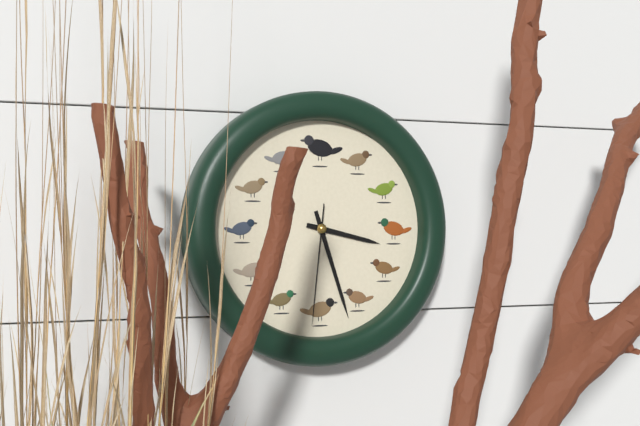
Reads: 3:27:31
